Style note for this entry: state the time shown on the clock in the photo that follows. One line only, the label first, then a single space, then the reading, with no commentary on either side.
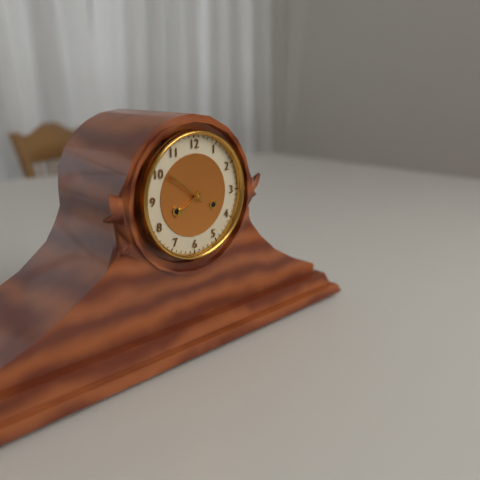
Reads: 7:51
